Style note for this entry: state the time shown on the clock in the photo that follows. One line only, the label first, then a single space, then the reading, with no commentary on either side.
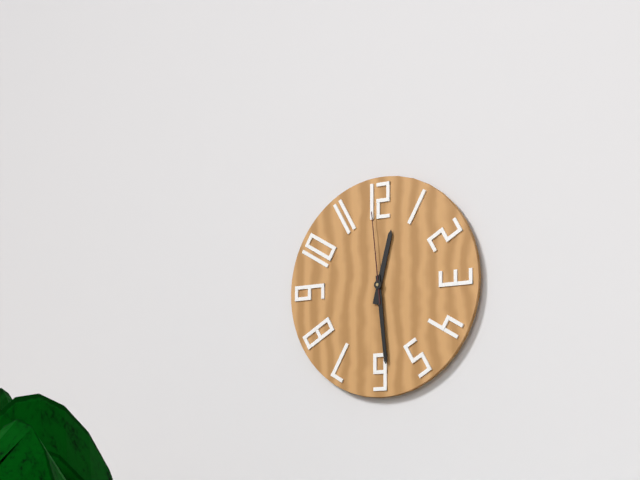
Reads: 12:29:59
